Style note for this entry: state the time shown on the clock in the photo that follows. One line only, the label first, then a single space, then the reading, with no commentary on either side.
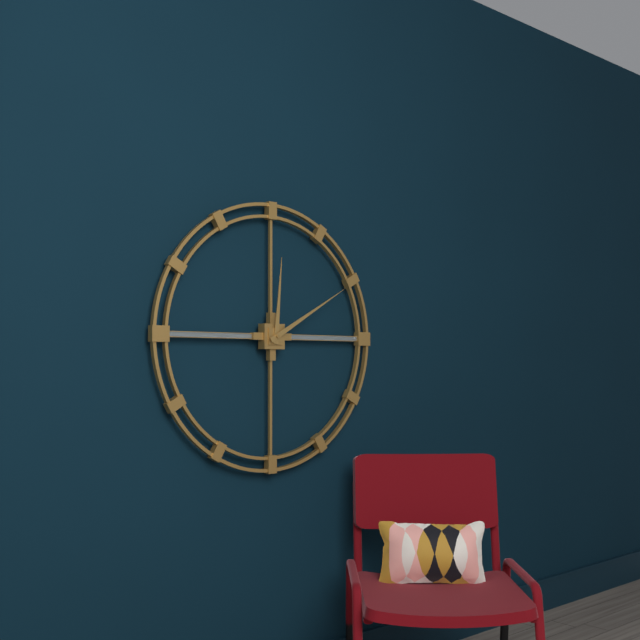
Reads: 12:10
